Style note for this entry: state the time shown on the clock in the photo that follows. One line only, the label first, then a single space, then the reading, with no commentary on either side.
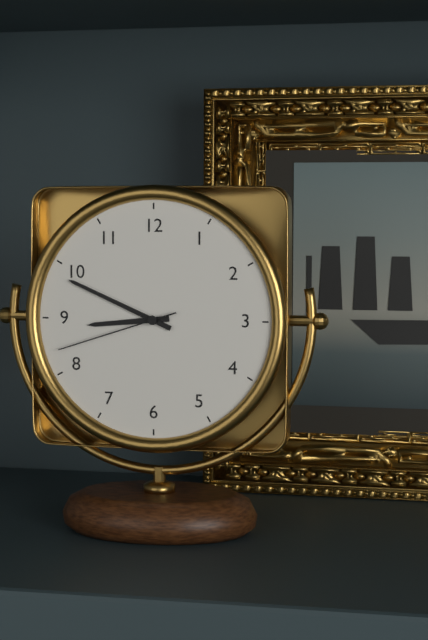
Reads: 8:49:42
